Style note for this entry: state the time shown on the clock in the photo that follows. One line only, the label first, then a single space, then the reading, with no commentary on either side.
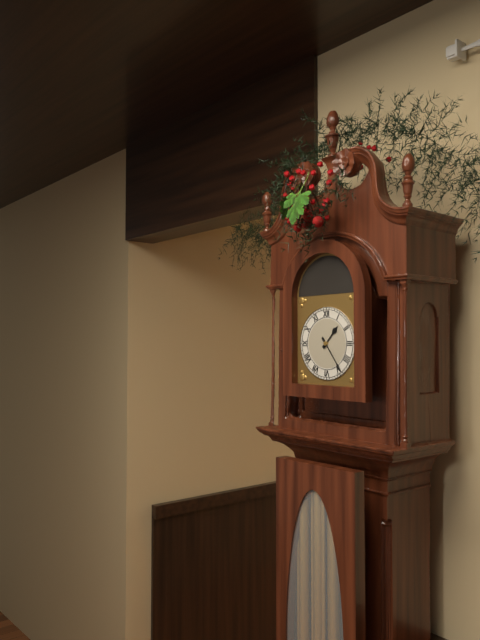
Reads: 1:24
